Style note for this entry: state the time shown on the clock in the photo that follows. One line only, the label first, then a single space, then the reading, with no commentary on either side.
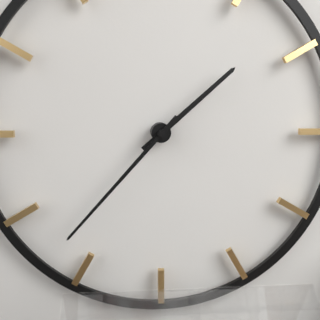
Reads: 1:37
